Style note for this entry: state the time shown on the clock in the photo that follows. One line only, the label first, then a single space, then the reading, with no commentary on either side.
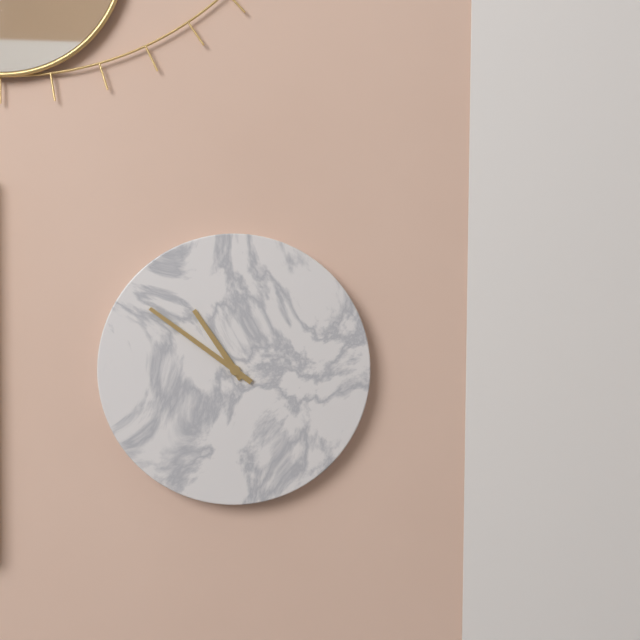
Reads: 10:51
